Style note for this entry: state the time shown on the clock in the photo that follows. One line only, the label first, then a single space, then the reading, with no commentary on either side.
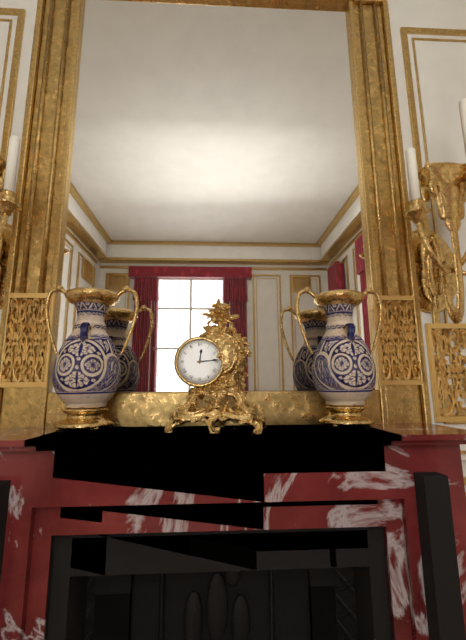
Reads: 12:14
